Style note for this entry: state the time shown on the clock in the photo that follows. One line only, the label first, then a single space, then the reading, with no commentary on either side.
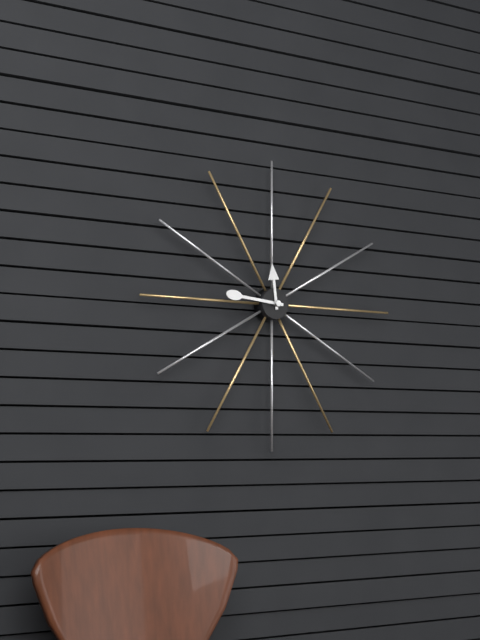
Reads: 11:46
